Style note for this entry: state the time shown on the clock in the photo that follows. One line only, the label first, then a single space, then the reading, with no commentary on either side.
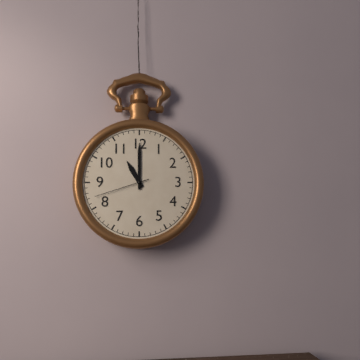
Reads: 11:00:42
